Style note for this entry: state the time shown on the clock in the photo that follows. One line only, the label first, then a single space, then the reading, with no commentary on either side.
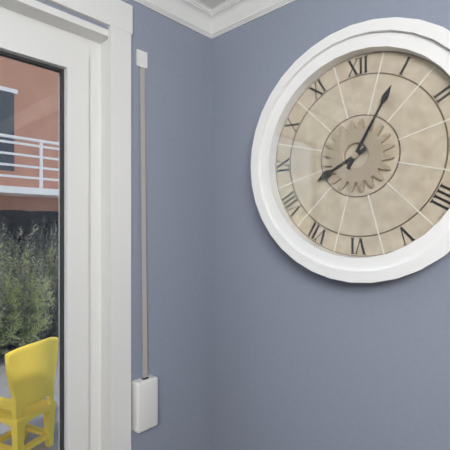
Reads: 8:05
